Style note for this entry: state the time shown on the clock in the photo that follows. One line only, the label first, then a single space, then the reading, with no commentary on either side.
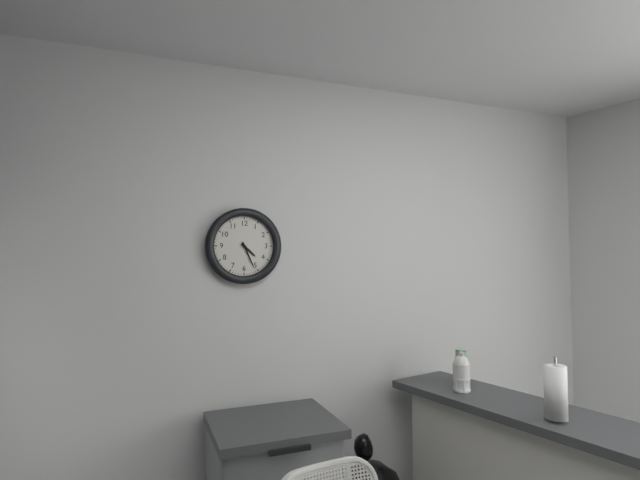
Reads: 4:26
